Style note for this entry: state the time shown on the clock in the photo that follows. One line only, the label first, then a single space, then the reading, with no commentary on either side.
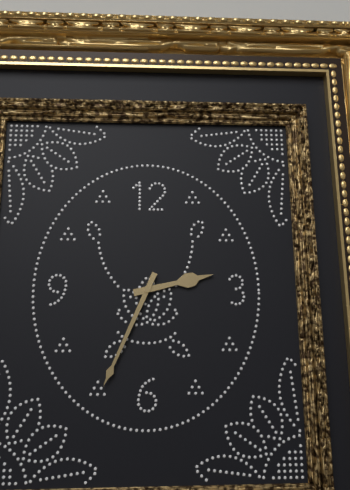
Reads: 2:34
